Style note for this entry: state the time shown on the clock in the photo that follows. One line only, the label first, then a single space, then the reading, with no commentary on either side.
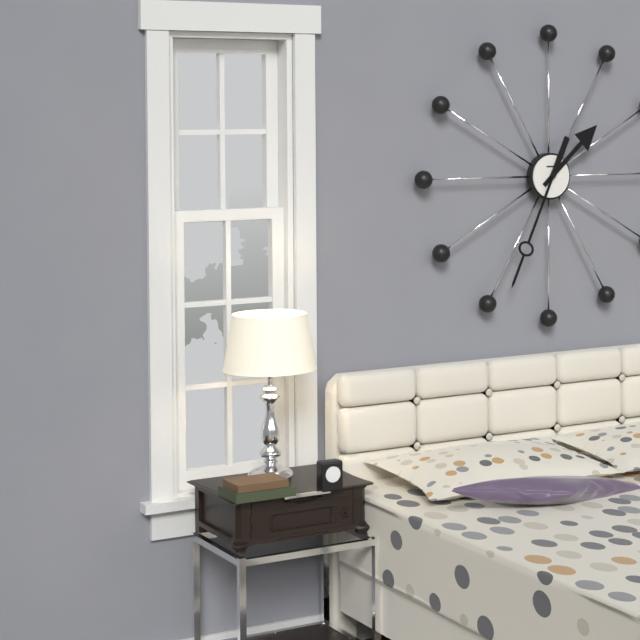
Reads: 1:34
